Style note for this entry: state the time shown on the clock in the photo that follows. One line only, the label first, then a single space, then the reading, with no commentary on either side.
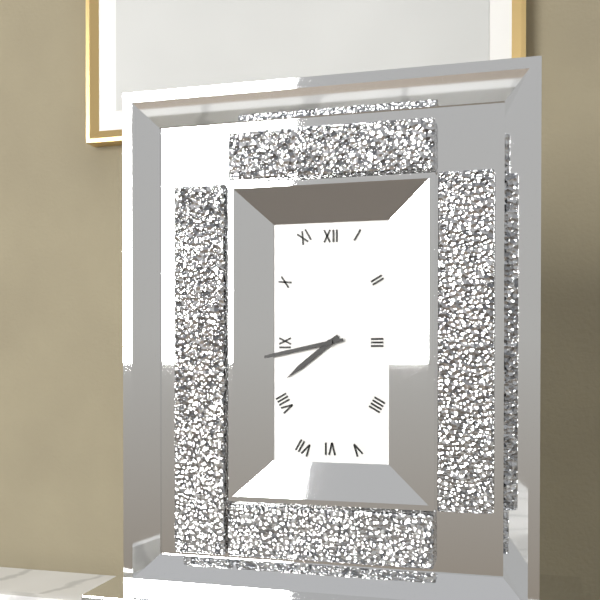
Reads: 7:43
